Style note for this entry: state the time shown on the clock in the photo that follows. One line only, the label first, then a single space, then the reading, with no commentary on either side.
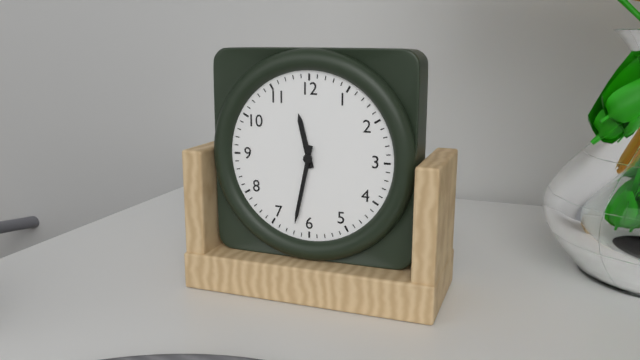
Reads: 11:32
